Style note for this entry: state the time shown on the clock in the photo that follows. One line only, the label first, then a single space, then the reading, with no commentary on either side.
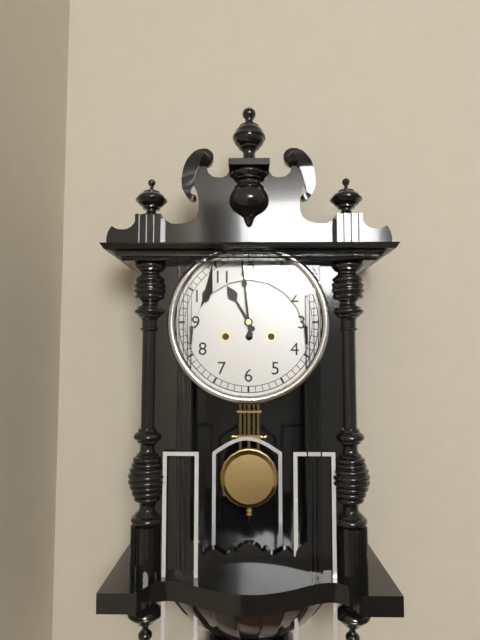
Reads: 10:59
